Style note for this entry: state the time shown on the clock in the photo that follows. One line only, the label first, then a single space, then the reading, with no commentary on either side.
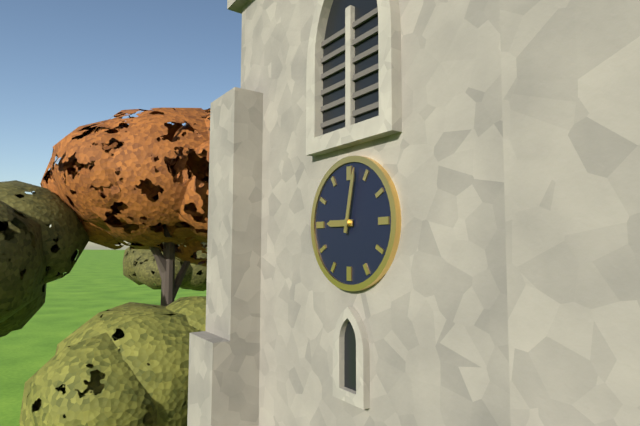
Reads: 9:02
